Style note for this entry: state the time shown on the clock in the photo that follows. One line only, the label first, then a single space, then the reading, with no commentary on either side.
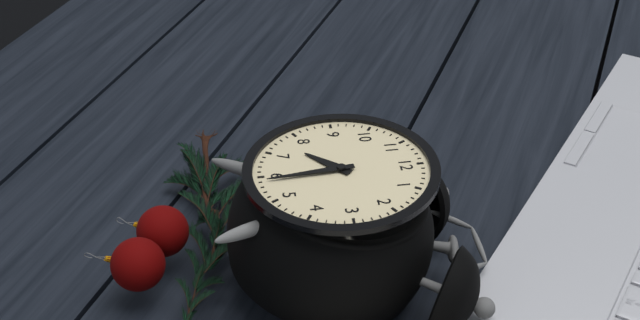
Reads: 7:29
